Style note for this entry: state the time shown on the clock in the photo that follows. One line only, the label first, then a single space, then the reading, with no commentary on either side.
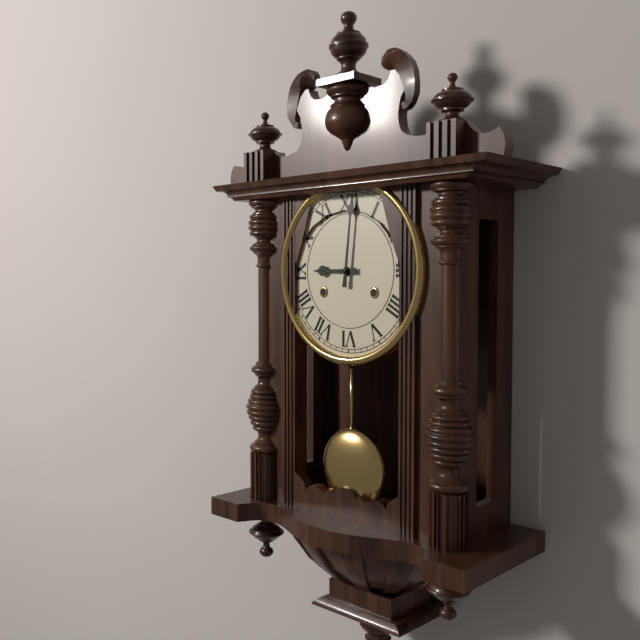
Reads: 9:01
